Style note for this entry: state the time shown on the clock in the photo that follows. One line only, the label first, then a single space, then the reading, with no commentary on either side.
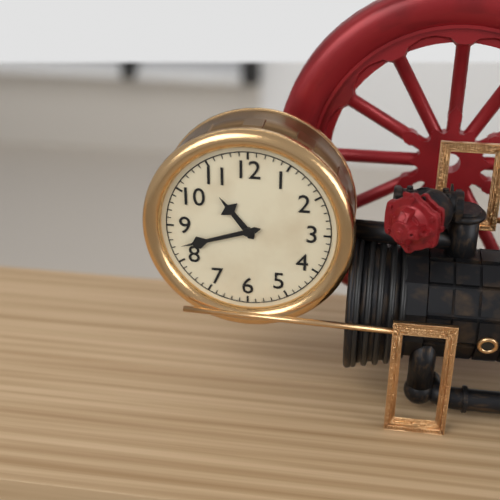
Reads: 10:42
